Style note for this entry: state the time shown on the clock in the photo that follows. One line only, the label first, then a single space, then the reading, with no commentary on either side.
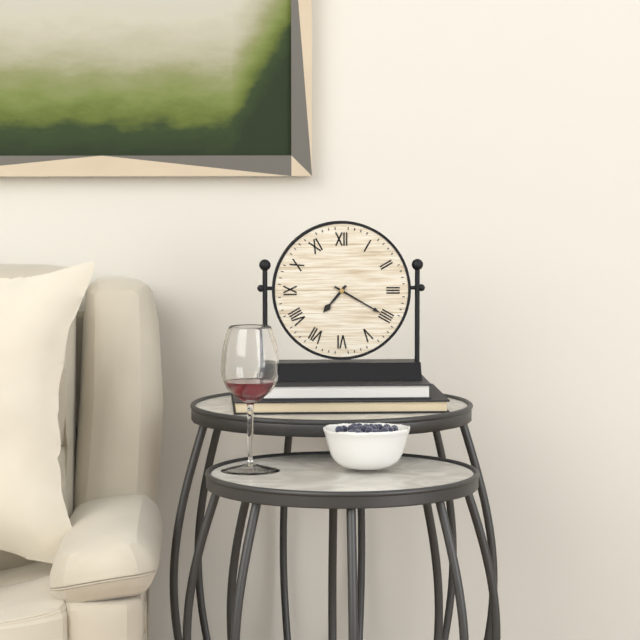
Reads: 7:20
